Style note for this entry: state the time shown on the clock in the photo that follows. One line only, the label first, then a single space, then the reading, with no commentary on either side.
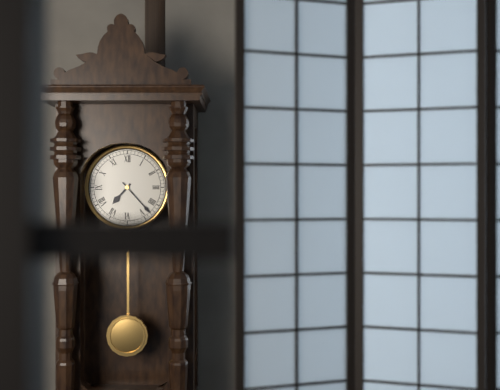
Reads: 7:23
